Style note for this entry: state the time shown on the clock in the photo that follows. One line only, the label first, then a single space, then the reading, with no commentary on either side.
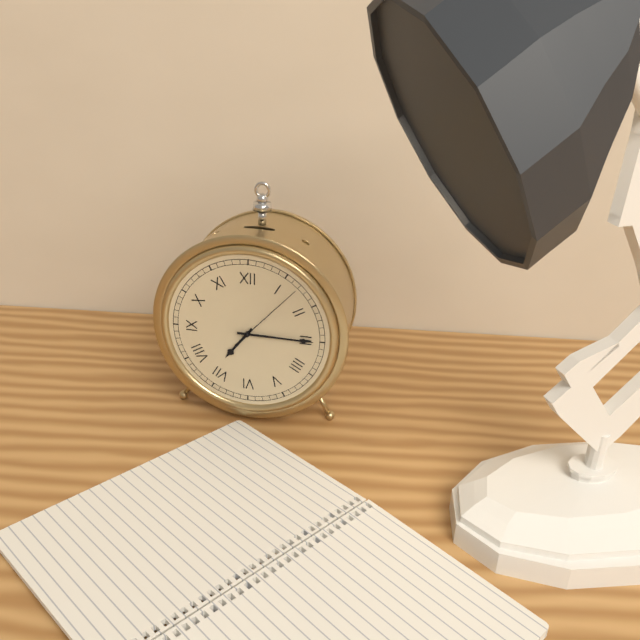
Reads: 7:15:07
